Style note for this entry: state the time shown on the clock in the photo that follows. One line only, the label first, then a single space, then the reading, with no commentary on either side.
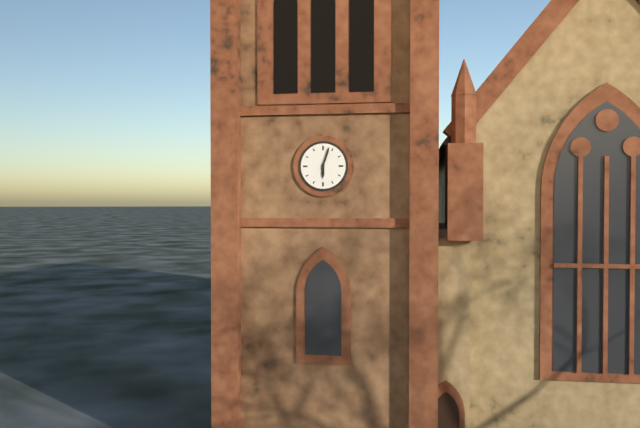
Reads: 6:03
